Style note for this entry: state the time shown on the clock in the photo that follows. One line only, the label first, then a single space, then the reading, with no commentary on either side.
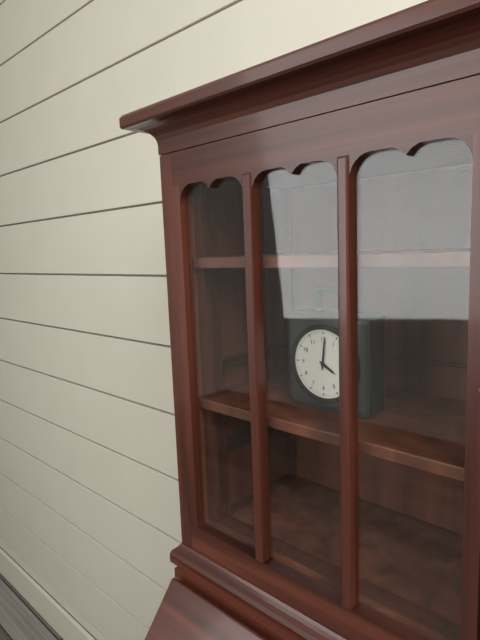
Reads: 4:01
